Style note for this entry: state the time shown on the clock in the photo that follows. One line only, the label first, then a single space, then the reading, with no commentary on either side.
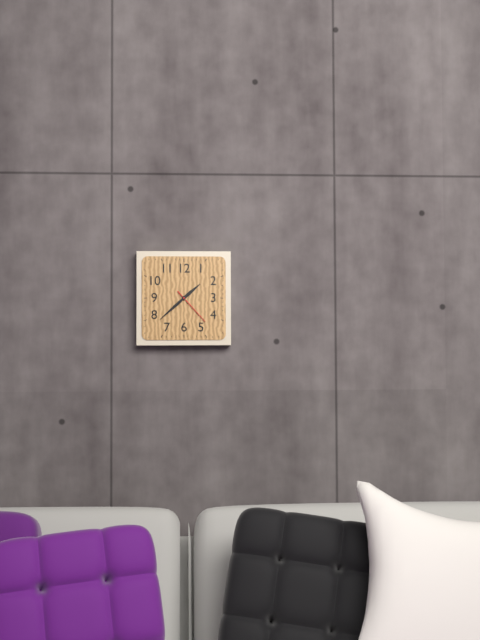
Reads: 1:38
